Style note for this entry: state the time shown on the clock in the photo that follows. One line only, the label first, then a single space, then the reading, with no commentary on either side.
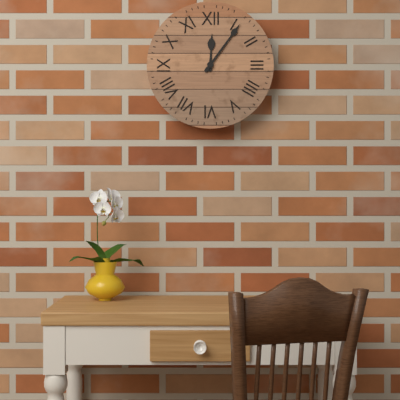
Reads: 12:06
